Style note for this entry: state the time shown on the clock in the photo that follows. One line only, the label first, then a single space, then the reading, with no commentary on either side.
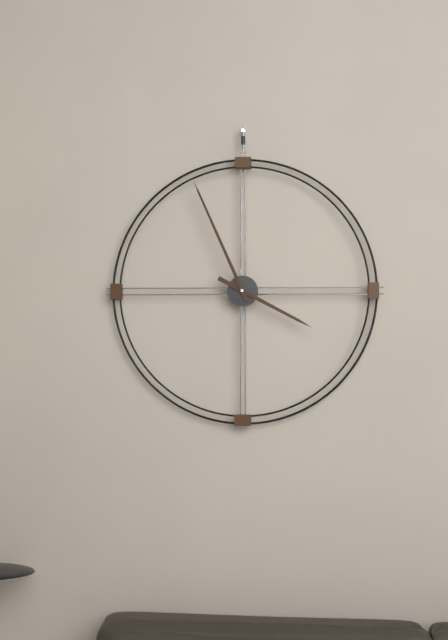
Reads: 3:56
